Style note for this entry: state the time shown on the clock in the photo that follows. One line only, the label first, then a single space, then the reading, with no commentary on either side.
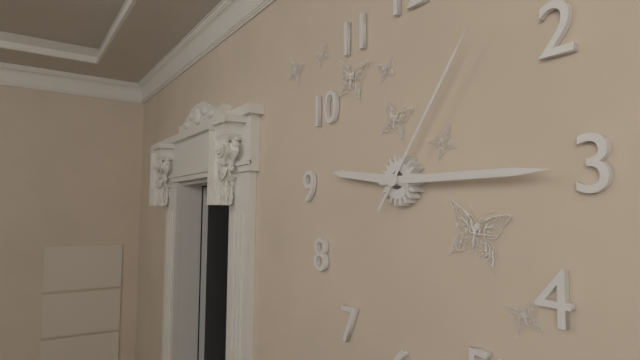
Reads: 9:15:06
